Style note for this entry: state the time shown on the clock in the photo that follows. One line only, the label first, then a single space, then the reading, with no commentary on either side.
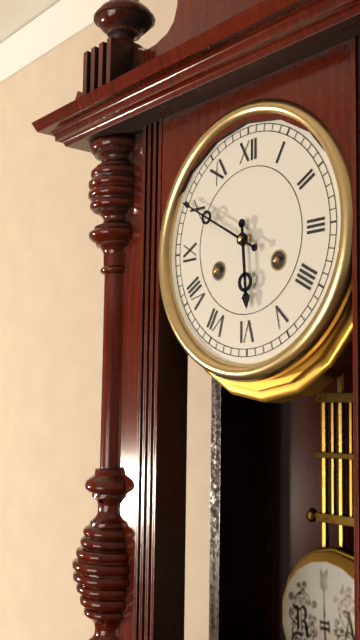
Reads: 5:50
